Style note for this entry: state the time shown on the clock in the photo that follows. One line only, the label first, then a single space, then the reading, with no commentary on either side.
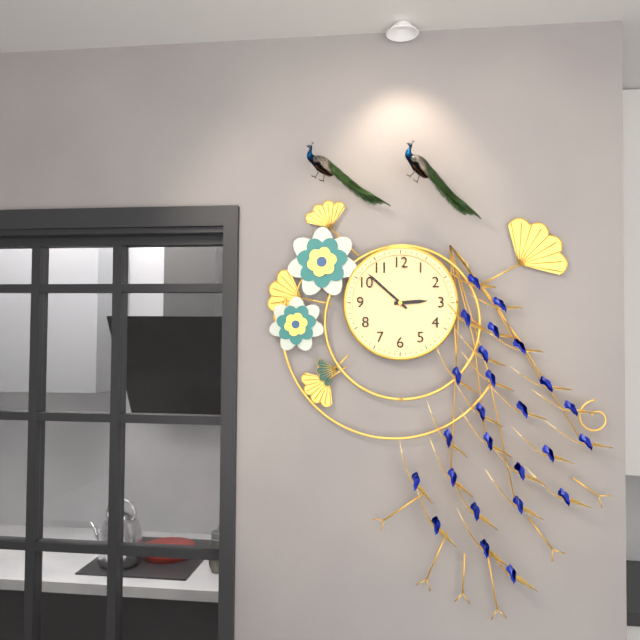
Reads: 2:52
